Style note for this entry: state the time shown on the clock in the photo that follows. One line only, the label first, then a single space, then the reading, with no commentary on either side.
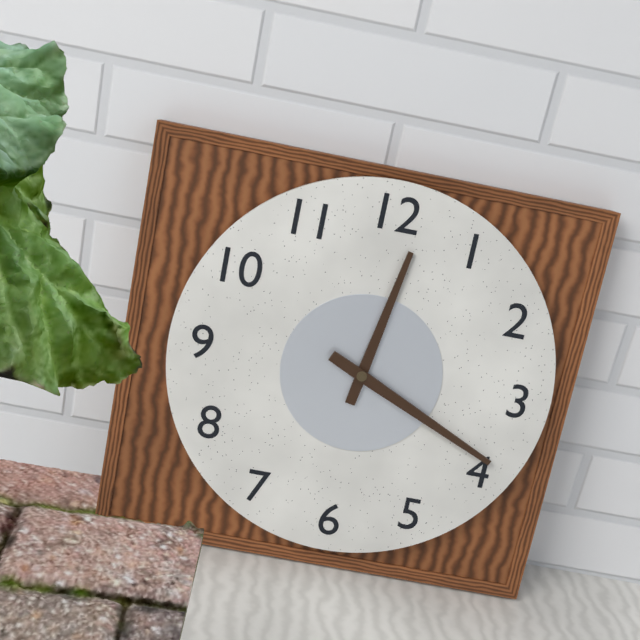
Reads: 12:19
